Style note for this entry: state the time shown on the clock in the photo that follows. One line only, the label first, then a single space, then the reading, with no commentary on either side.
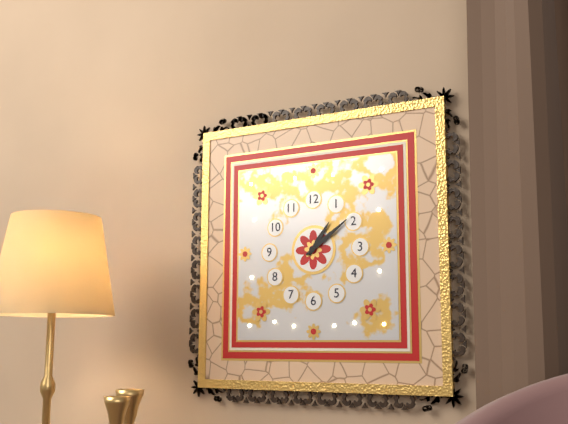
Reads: 1:09
